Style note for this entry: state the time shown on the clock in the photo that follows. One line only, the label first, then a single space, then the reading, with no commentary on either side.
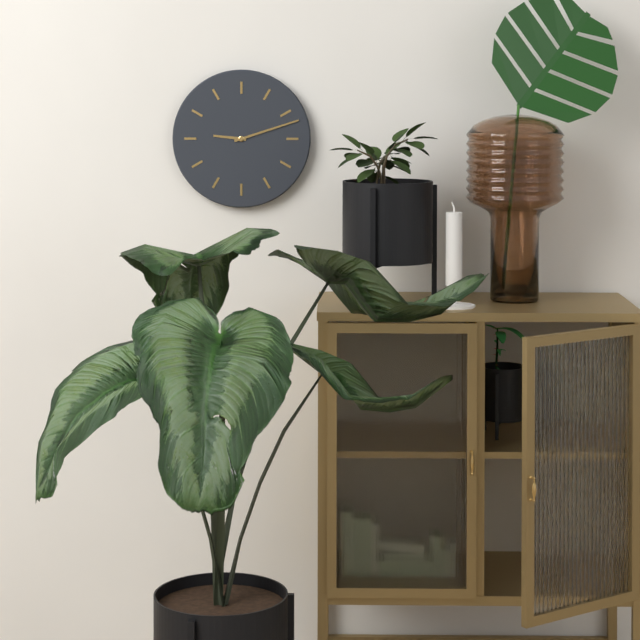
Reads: 9:12
